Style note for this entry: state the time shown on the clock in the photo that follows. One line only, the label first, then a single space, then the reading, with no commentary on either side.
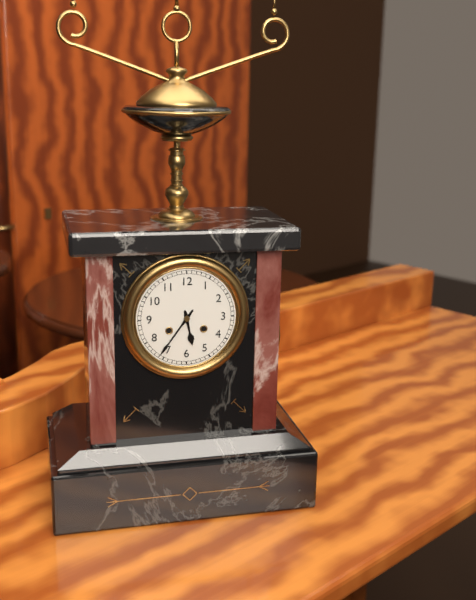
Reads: 5:36
